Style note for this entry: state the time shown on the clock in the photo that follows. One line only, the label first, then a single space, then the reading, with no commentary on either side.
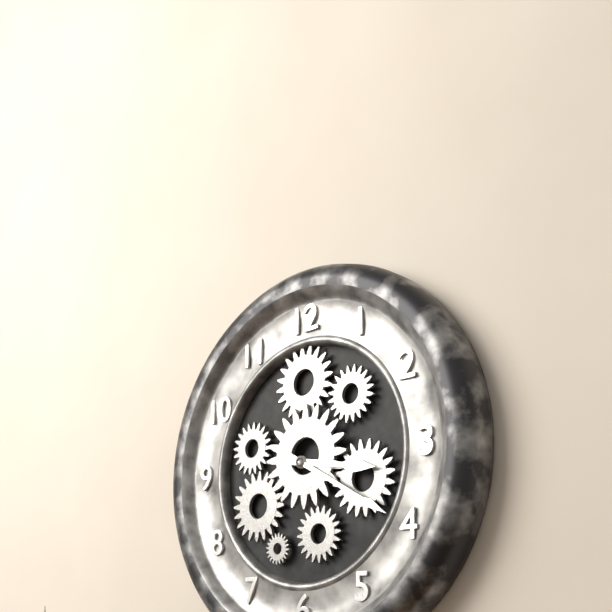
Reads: 3:20
